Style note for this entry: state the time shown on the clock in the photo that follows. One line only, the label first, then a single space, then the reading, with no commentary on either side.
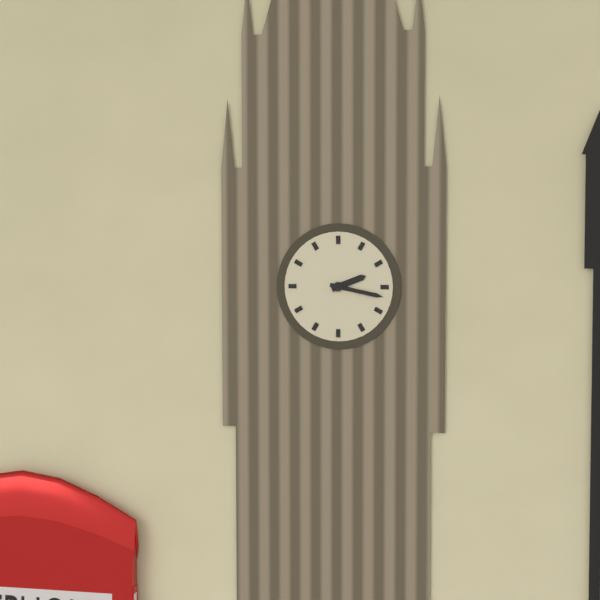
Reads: 2:17
